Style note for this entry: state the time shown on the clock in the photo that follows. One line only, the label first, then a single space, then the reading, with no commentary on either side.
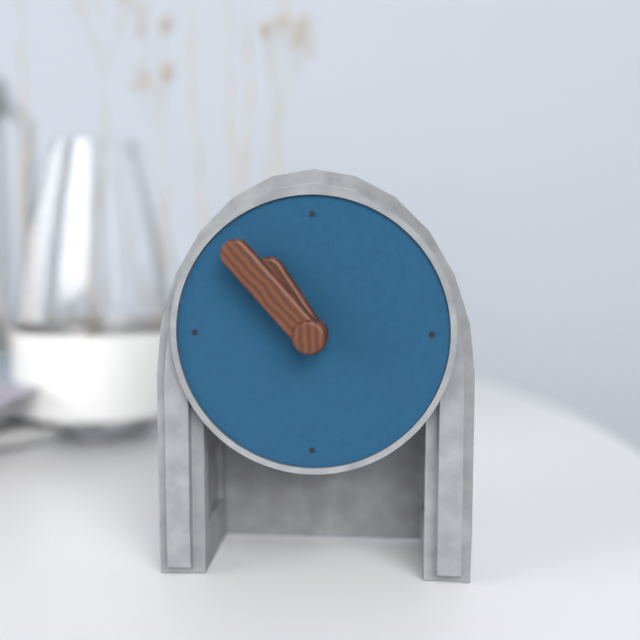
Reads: 10:53
